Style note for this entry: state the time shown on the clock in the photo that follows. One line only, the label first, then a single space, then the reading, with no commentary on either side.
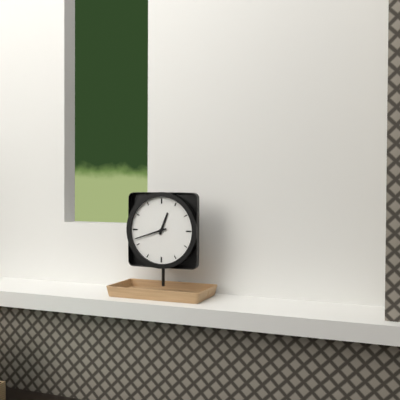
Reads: 12:42
